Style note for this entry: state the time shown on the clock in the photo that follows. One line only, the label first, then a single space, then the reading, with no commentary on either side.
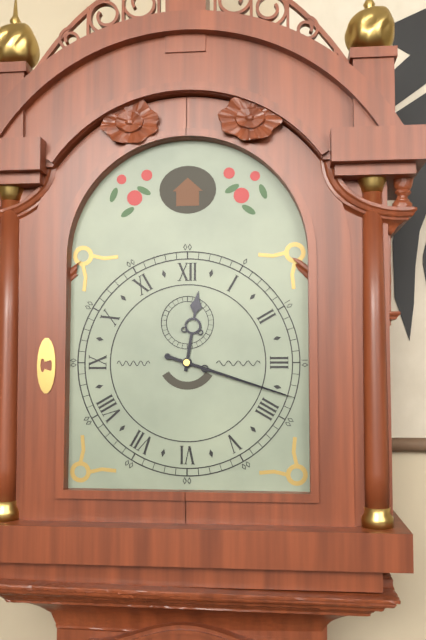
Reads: 12:18
